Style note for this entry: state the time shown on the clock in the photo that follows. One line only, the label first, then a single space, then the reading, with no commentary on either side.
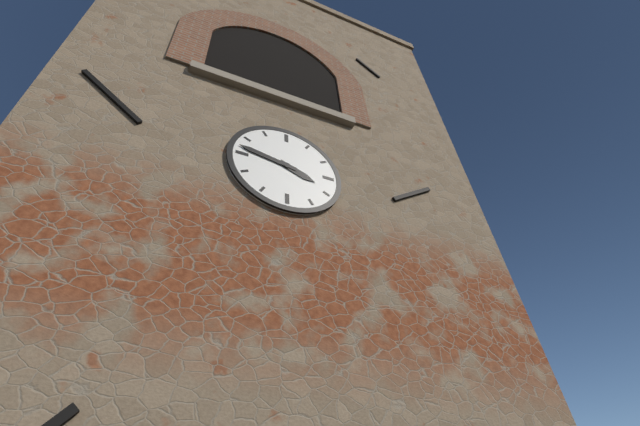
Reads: 3:47
